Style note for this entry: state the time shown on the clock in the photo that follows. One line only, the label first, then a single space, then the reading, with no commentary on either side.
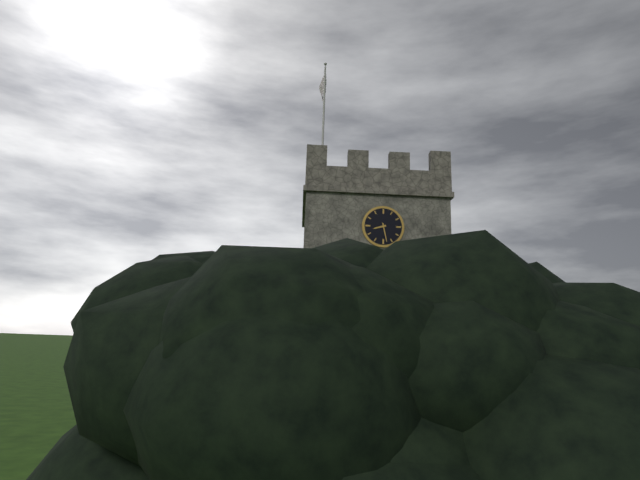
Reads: 8:28
